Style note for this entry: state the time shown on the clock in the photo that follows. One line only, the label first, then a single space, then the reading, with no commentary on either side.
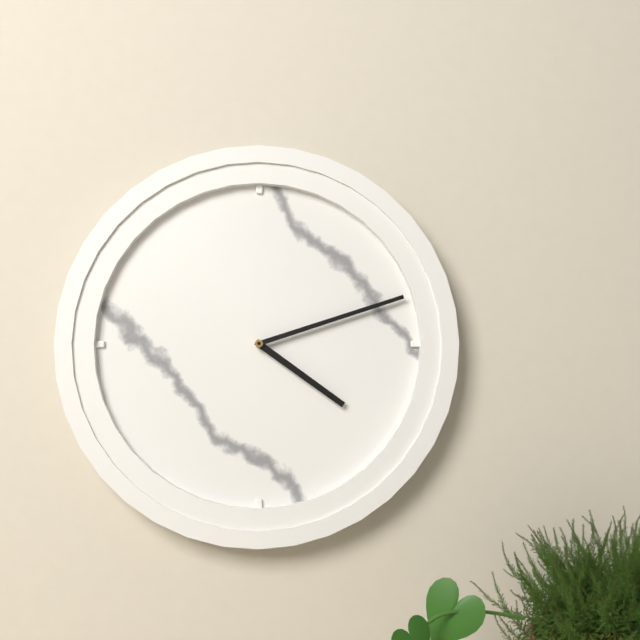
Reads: 4:12
